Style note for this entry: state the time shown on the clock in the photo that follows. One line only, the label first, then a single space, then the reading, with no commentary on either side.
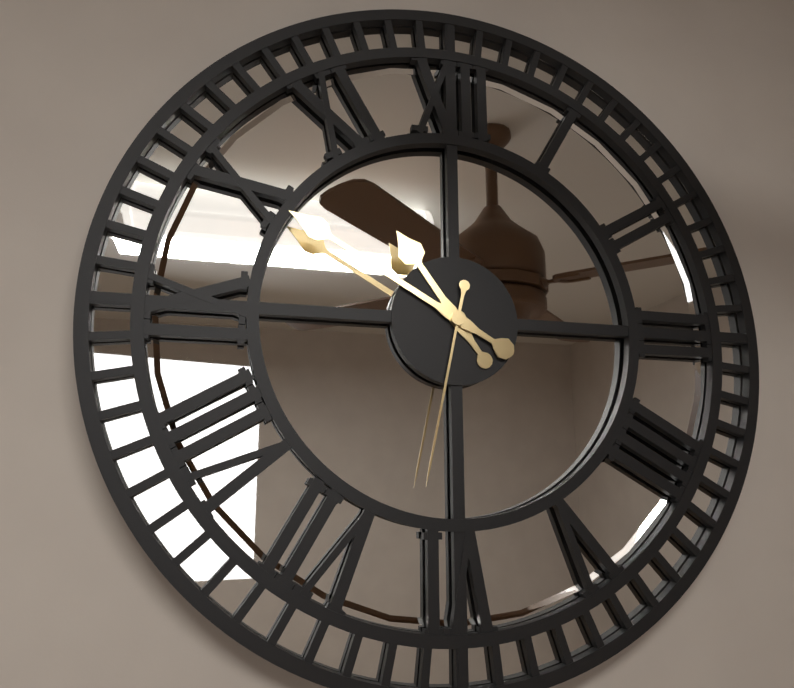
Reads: 10:50:32
